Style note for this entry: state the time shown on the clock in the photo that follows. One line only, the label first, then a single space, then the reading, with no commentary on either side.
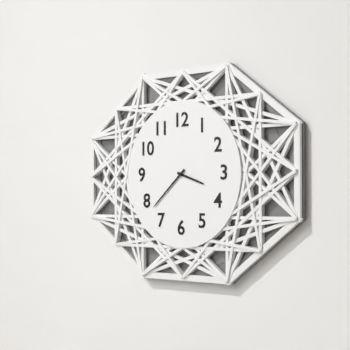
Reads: 3:38
